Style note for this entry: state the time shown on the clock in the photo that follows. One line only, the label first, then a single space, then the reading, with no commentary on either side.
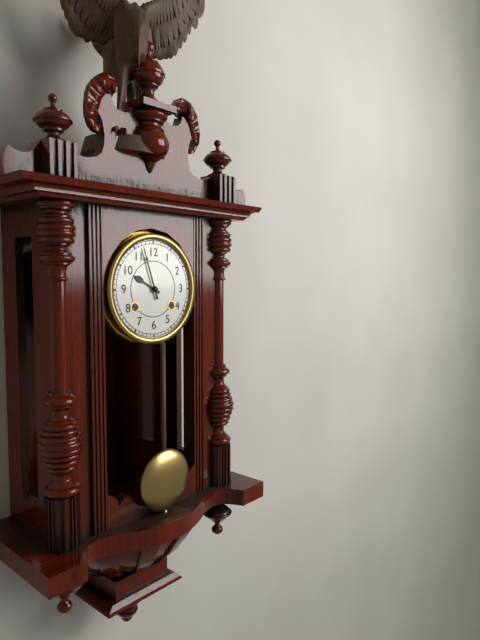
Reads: 9:57
